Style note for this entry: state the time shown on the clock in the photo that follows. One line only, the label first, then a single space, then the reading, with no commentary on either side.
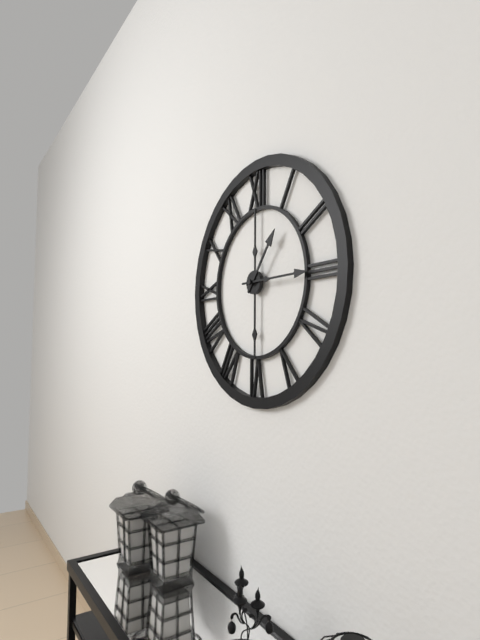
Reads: 1:15
